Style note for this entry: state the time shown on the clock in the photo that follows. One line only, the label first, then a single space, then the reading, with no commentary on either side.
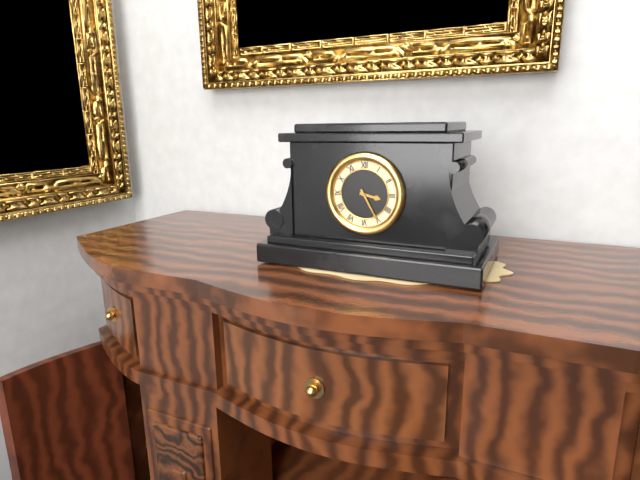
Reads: 3:25
